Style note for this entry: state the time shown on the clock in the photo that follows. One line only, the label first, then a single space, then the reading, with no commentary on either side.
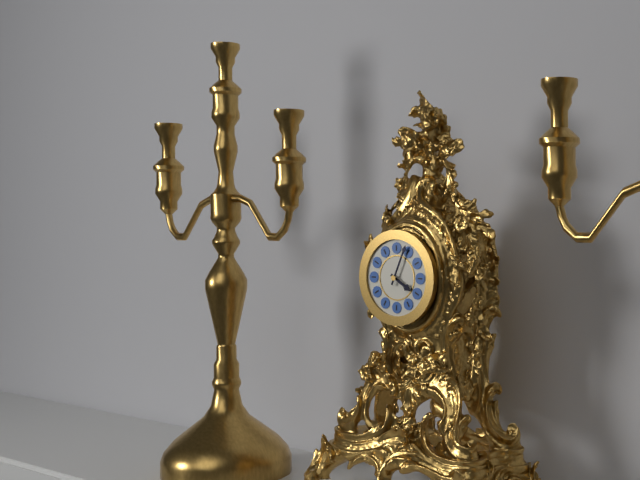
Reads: 4:04
